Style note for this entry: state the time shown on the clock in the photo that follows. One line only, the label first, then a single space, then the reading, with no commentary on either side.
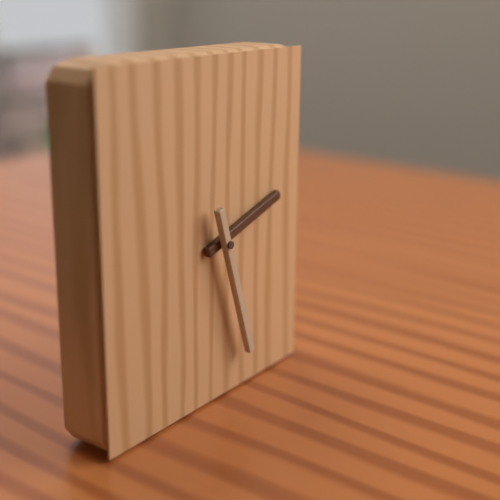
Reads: 2:27
